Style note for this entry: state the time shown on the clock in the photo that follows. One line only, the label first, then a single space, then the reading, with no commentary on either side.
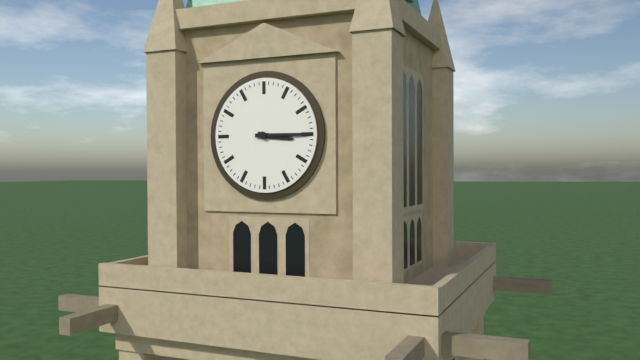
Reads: 3:15
